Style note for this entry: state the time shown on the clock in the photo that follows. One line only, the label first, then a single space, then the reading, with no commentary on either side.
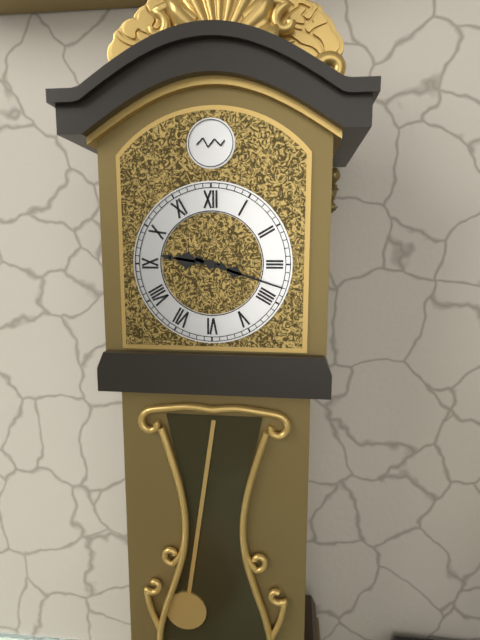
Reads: 9:18
